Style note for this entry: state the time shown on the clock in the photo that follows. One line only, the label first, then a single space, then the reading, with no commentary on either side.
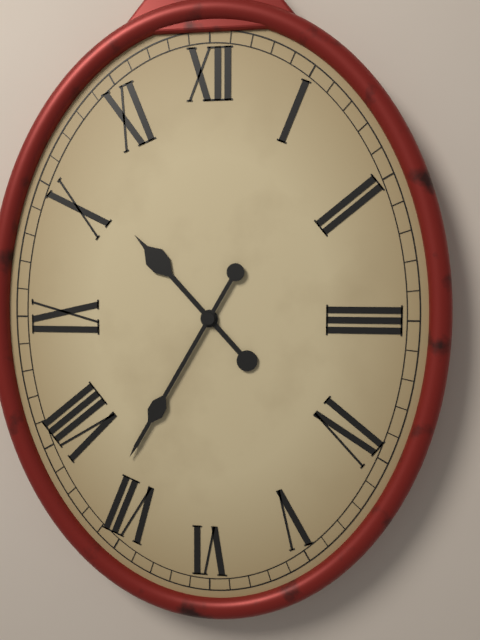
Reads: 10:35
